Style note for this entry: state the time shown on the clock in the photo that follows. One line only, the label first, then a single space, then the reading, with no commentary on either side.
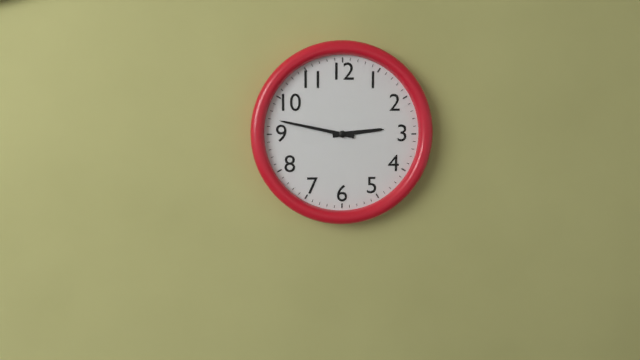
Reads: 2:47
